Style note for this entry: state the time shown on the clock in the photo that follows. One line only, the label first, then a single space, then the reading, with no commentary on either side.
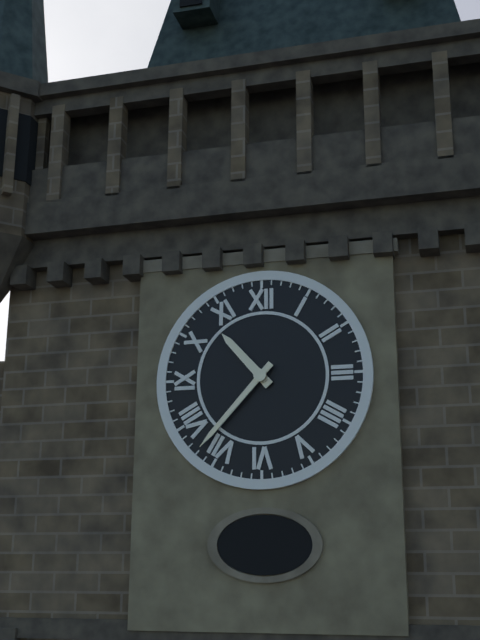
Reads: 10:37
